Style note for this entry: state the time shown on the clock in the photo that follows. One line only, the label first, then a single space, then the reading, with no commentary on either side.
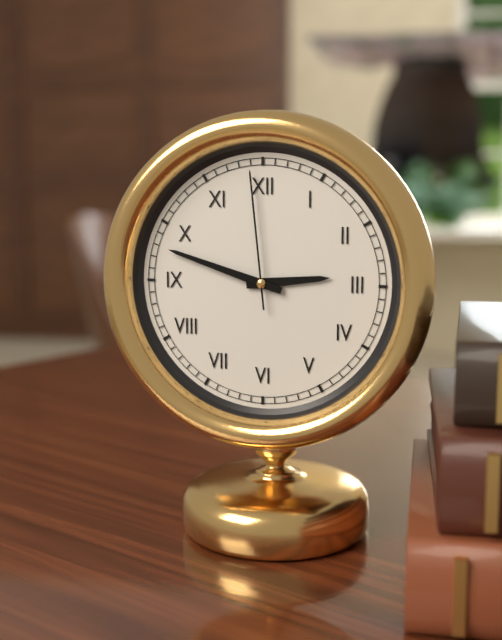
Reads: 2:48:59
